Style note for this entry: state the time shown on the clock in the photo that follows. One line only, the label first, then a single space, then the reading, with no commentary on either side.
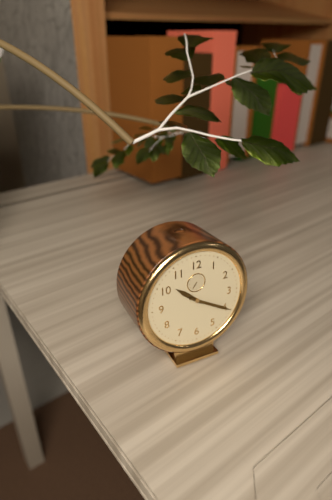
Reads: 10:20
